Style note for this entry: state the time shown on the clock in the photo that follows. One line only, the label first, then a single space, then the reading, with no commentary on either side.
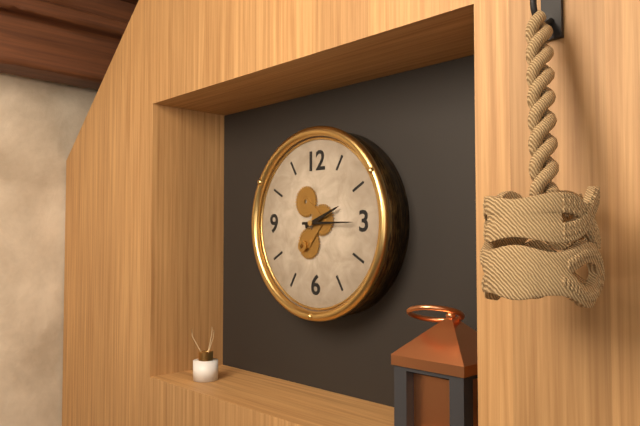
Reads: 2:15
